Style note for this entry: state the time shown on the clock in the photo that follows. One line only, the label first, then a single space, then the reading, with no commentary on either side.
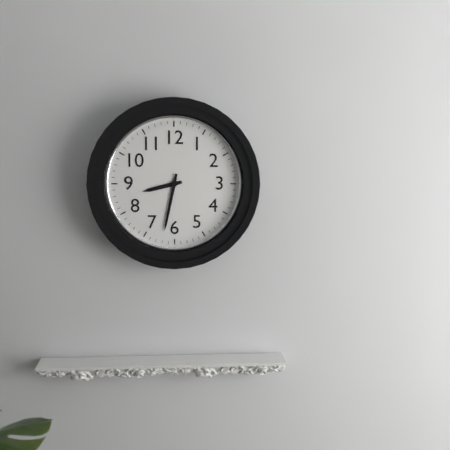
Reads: 8:32
